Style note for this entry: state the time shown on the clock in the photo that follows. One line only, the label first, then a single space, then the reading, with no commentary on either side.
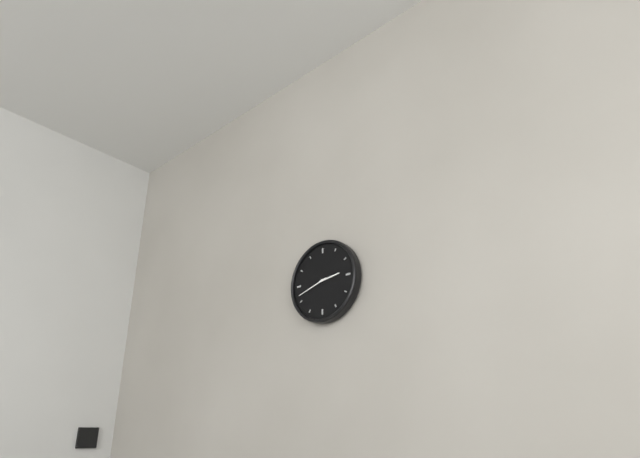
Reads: 2:42
